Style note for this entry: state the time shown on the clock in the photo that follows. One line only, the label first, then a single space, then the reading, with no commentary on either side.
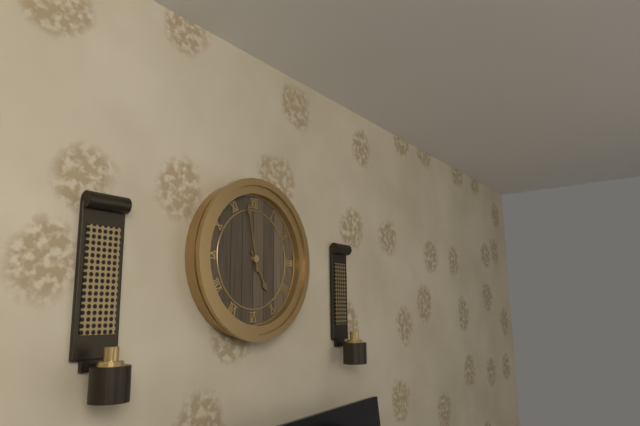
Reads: 4:58
